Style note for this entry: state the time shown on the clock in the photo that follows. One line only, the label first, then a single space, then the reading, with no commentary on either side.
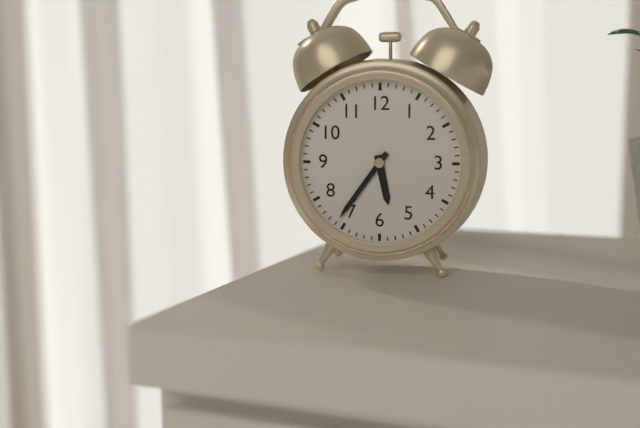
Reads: 5:36
